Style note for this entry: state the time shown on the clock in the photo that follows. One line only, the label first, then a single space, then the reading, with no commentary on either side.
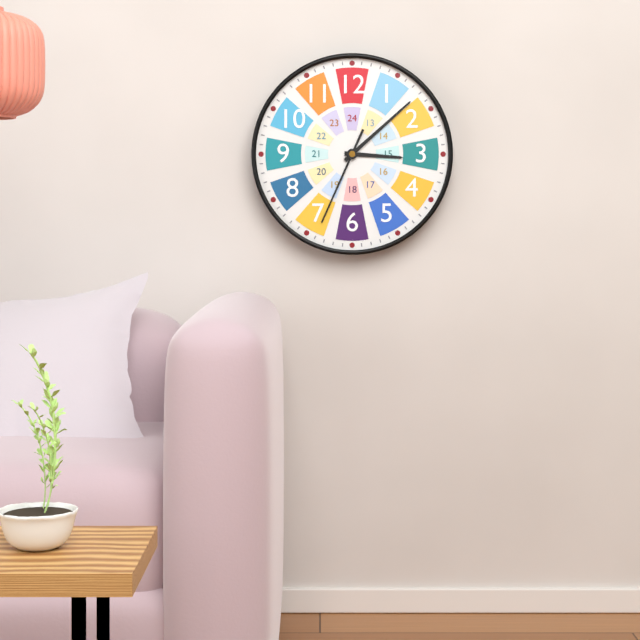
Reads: 3:08:34
